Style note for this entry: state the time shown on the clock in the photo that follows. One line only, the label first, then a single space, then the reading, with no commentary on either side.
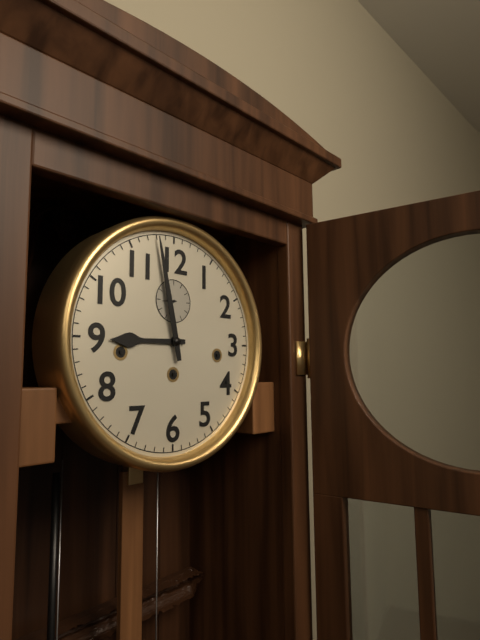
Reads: 8:58
